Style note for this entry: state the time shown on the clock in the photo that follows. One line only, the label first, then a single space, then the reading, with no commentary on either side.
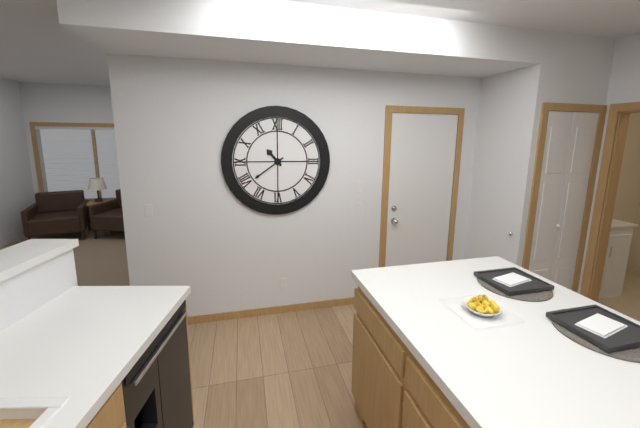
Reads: 10:39
